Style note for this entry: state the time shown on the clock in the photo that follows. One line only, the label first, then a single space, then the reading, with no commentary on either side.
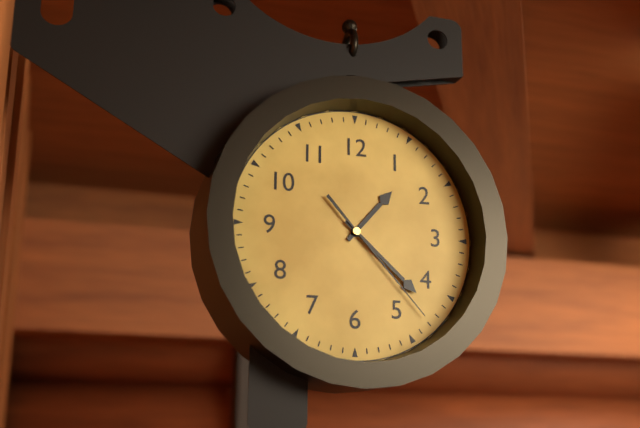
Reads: 1:22:23
